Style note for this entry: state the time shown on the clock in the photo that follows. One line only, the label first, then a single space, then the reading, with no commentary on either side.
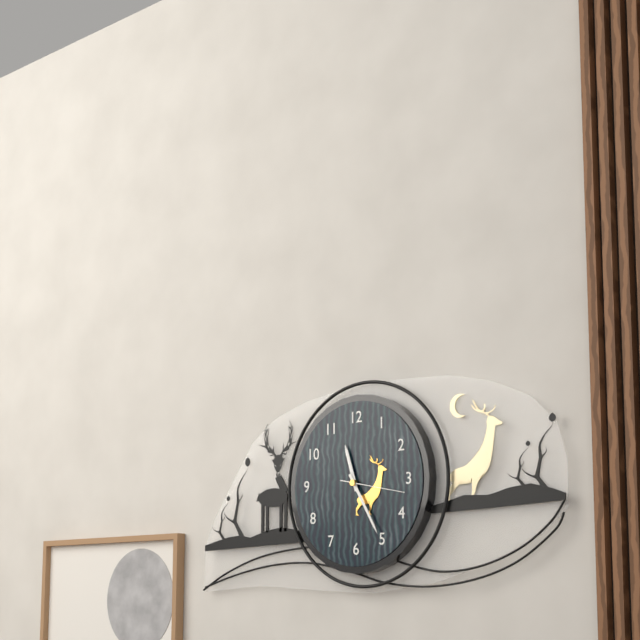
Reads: 11:25:17
